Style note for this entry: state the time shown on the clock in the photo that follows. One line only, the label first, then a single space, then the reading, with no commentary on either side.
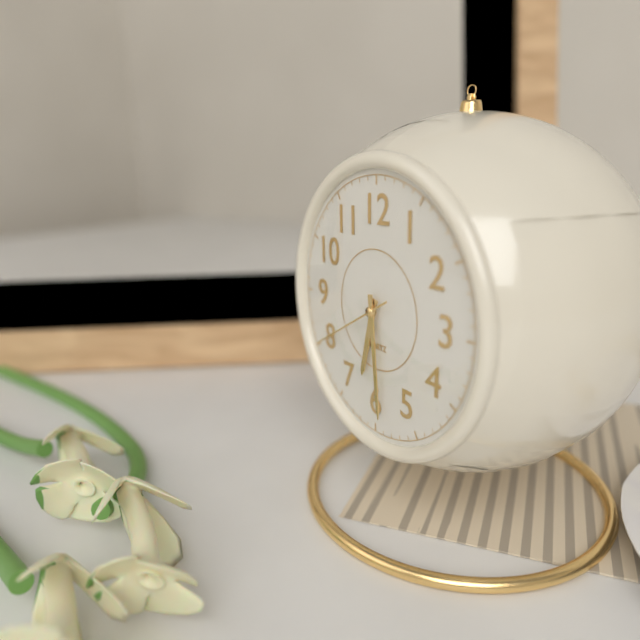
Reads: 6:29:40
